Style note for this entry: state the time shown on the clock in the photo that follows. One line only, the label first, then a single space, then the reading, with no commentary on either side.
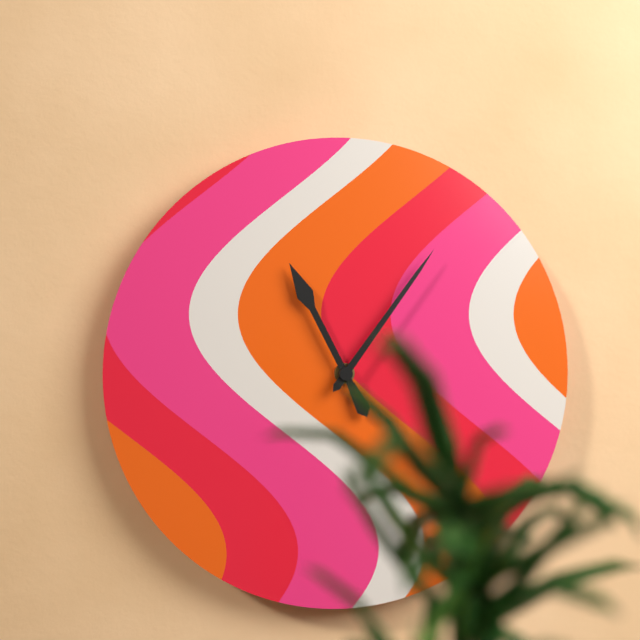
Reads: 11:06
